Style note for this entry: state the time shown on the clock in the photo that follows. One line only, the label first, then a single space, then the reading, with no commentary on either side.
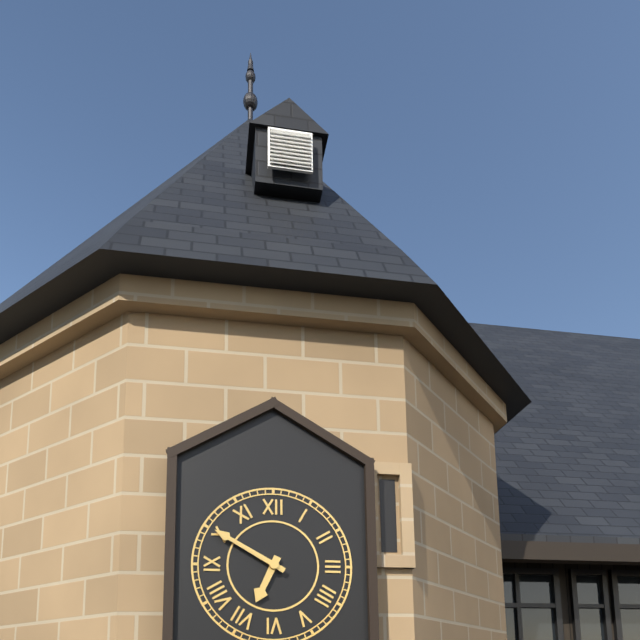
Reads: 6:50
